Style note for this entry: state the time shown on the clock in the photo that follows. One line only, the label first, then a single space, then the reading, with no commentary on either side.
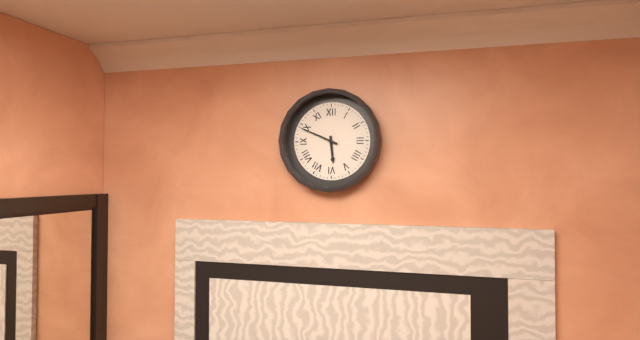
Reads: 5:49
